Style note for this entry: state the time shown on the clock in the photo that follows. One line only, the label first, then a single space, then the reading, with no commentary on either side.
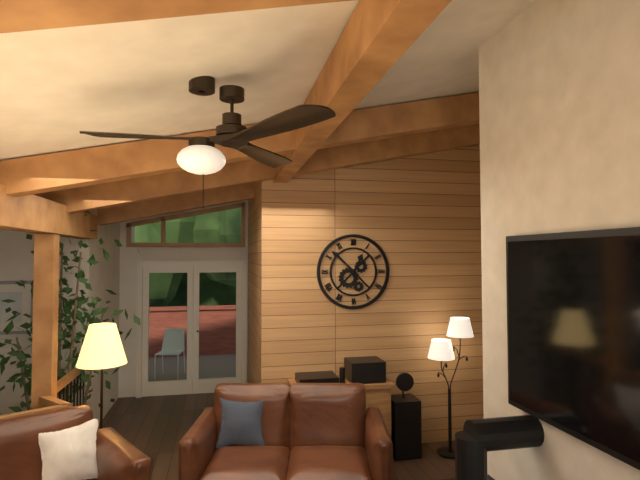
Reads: 12:52
